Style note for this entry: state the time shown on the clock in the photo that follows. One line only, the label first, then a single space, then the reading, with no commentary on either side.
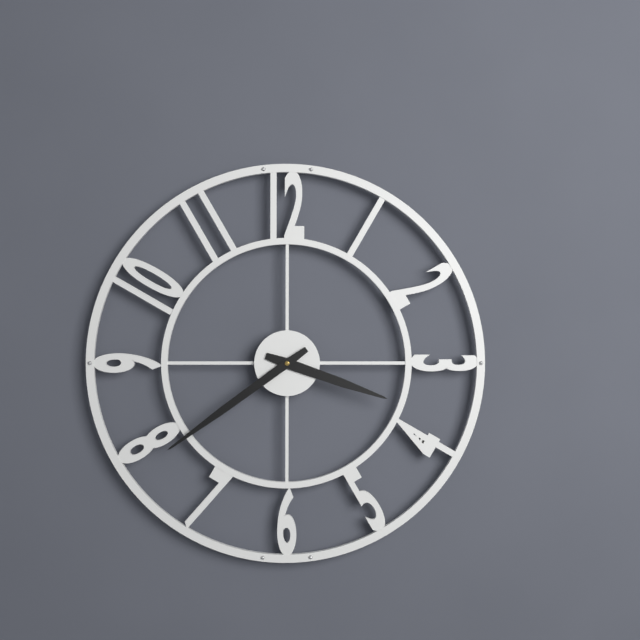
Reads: 3:39
